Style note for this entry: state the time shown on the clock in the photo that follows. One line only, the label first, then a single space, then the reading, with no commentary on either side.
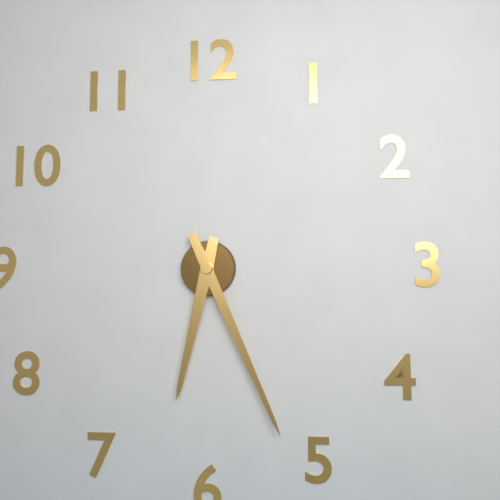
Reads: 6:26
